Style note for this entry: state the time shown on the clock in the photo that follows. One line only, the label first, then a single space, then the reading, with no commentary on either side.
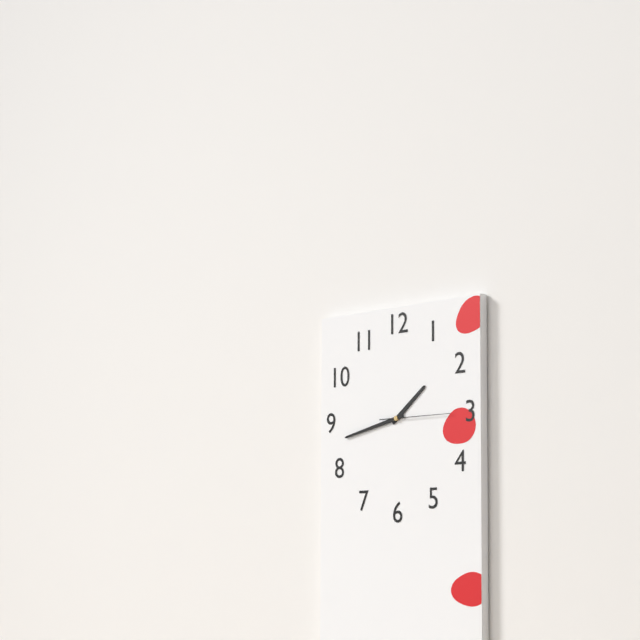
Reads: 1:43:15
